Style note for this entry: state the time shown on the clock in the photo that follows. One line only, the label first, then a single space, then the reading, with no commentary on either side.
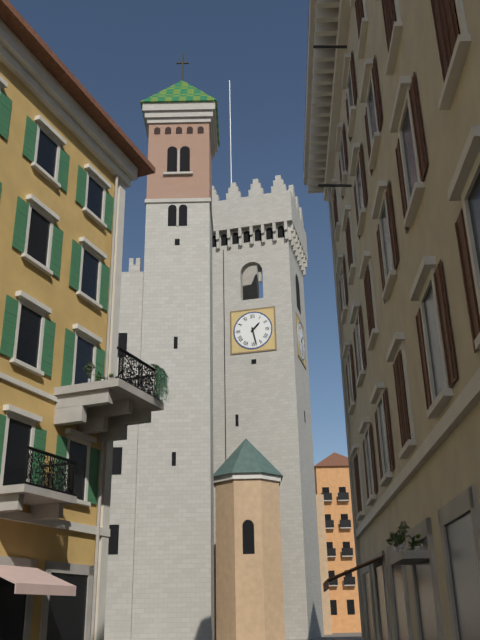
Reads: 1:28
